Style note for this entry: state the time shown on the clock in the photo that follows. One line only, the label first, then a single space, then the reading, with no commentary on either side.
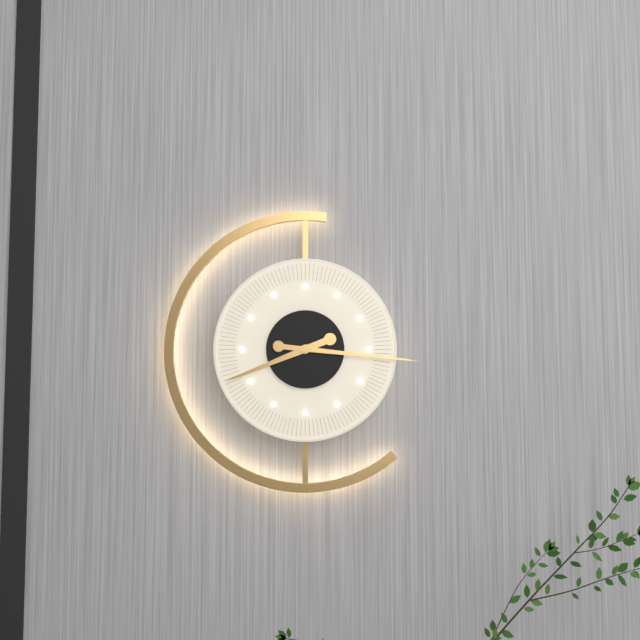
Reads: 8:16
